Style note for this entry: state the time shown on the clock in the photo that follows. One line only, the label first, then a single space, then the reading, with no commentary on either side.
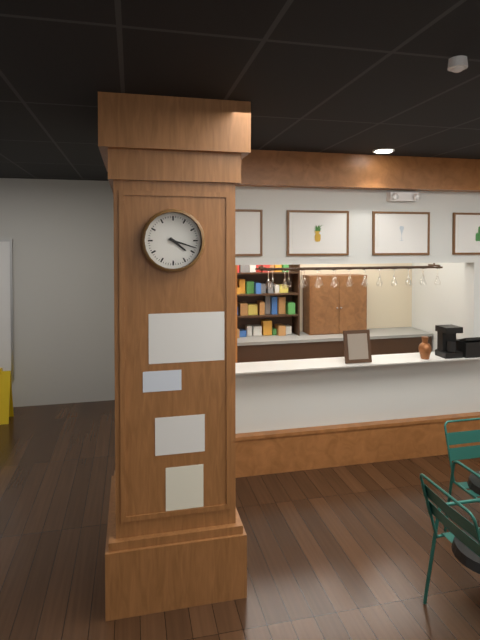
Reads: 4:18
